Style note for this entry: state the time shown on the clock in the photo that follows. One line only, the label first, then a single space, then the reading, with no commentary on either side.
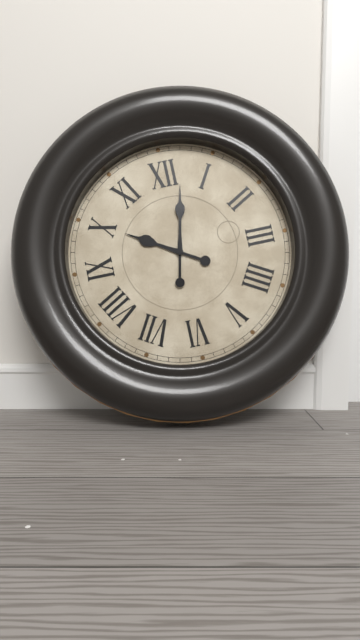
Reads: 10:02
